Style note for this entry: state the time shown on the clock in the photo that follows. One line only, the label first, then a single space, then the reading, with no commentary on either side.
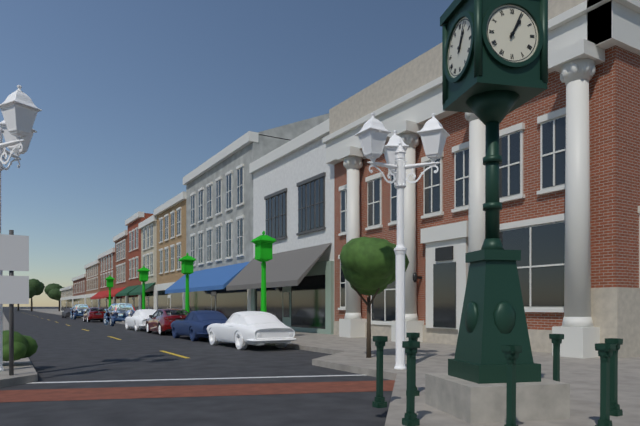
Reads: 1:04
